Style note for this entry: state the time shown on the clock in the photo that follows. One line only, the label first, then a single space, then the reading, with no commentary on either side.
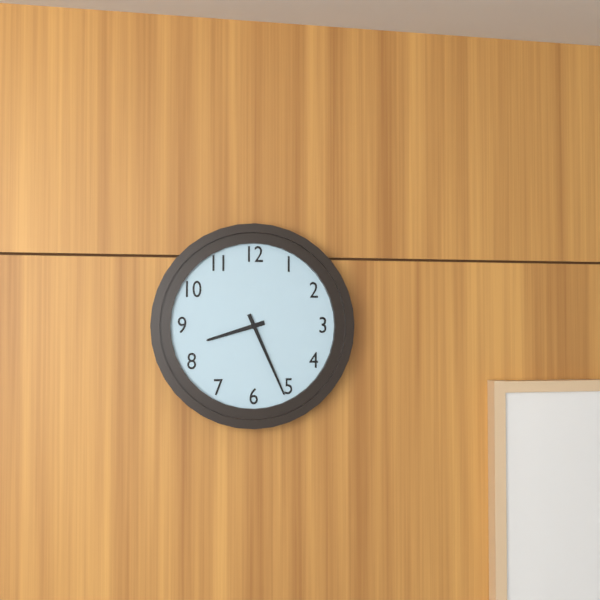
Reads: 8:26
